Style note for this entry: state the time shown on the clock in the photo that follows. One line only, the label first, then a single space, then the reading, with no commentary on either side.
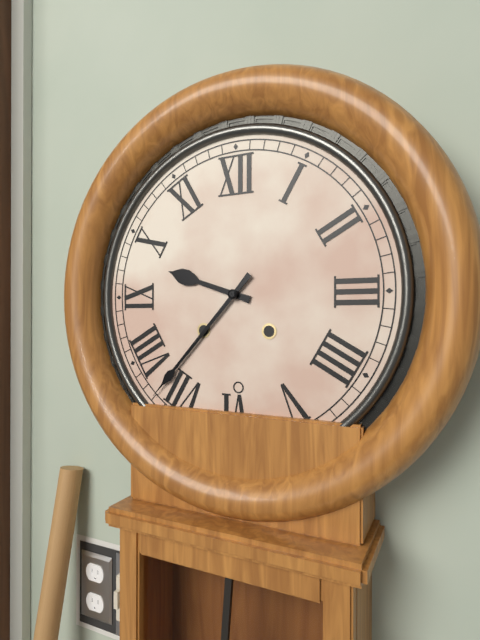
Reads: 9:37
